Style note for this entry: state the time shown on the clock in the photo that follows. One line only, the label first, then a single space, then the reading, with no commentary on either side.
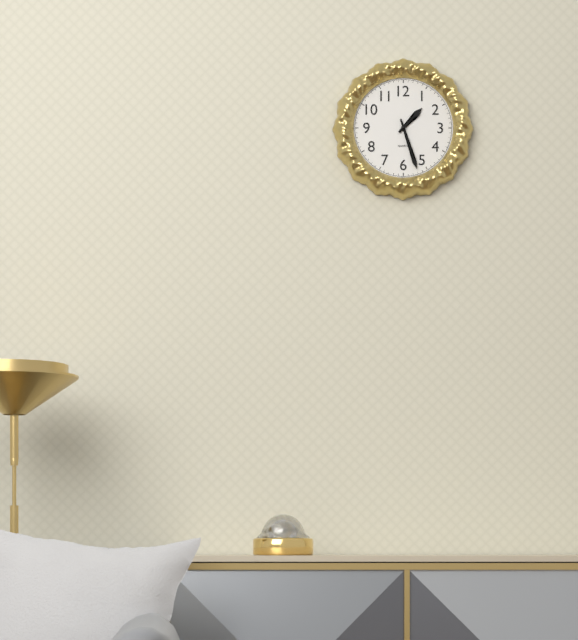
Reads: 1:27
